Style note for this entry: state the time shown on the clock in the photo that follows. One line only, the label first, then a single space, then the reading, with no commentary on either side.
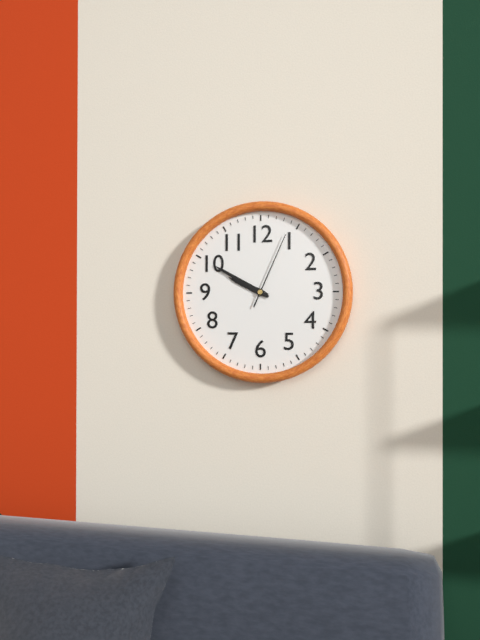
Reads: 9:50:04
